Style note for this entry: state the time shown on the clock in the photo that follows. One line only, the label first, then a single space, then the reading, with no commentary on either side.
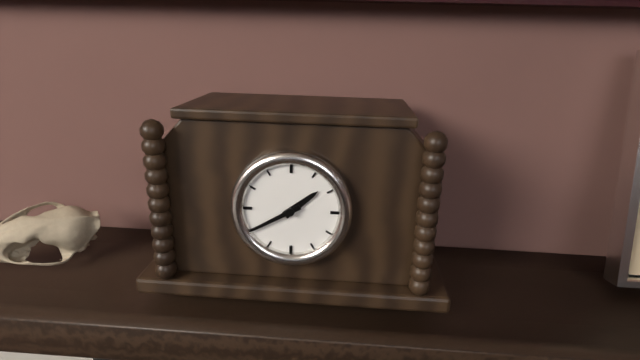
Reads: 1:40
